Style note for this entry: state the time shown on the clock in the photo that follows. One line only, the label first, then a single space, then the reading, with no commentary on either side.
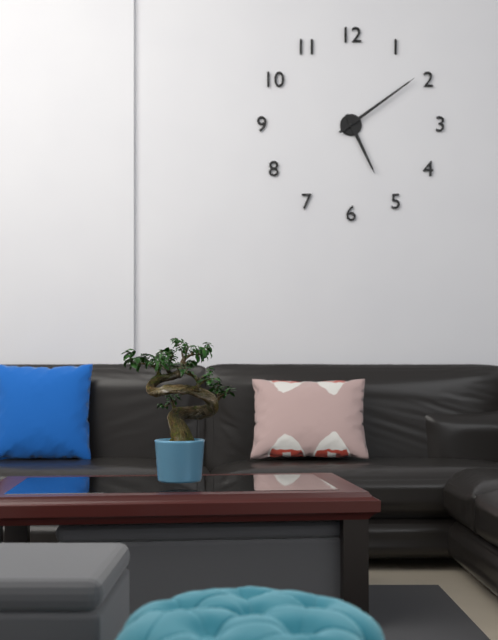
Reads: 5:09
